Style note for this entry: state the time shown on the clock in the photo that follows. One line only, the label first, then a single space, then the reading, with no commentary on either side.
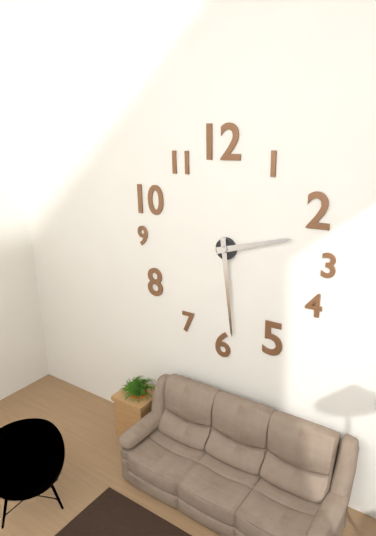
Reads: 2:29
